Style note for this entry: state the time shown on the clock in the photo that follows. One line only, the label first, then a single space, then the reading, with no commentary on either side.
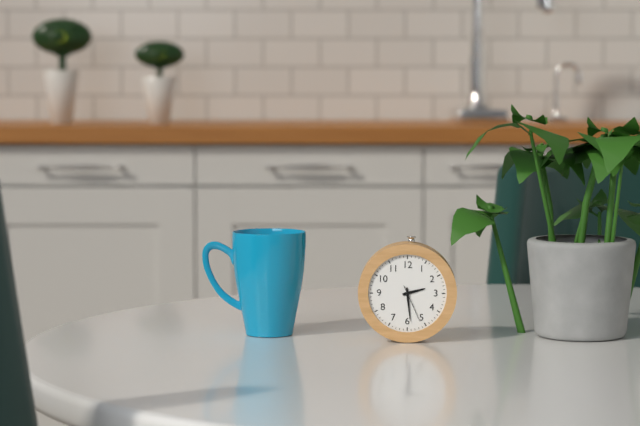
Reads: 2:29
